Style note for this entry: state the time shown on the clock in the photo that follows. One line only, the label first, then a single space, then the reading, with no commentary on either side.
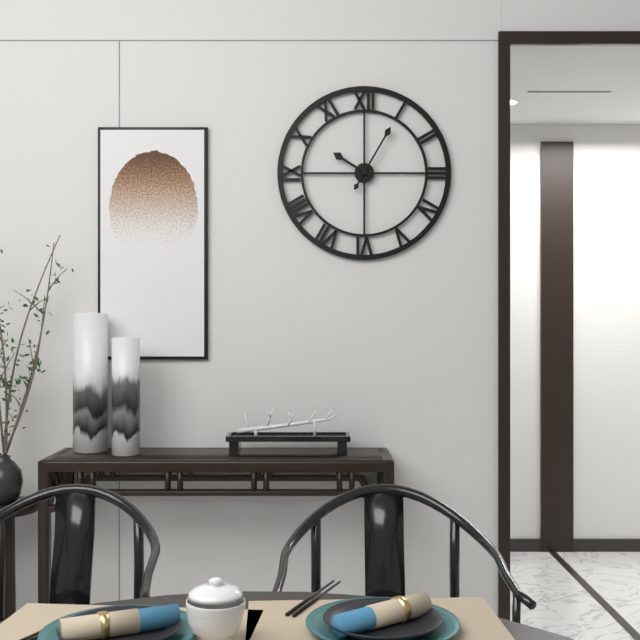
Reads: 10:05
